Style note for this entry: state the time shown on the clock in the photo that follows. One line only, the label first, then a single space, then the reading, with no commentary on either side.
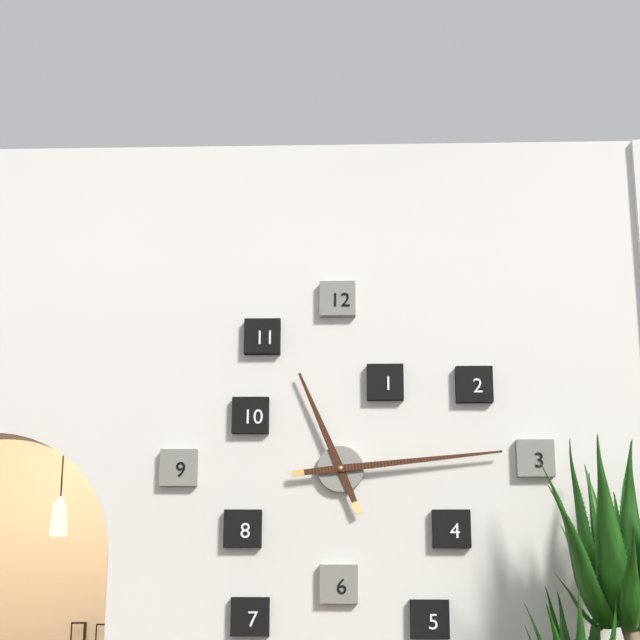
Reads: 11:14
